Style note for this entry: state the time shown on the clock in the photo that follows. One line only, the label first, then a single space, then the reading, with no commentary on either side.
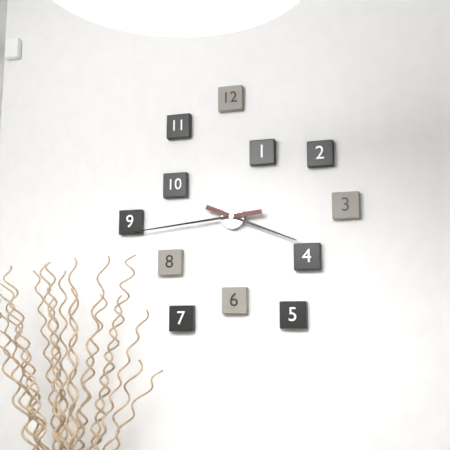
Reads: 3:44
